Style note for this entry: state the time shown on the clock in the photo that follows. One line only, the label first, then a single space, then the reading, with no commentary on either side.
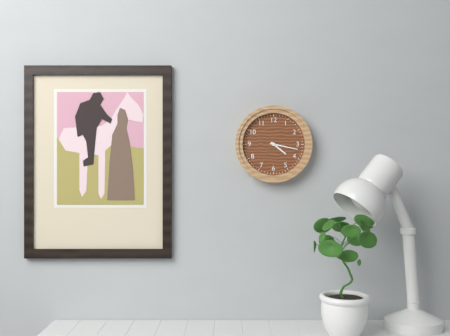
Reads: 4:17
